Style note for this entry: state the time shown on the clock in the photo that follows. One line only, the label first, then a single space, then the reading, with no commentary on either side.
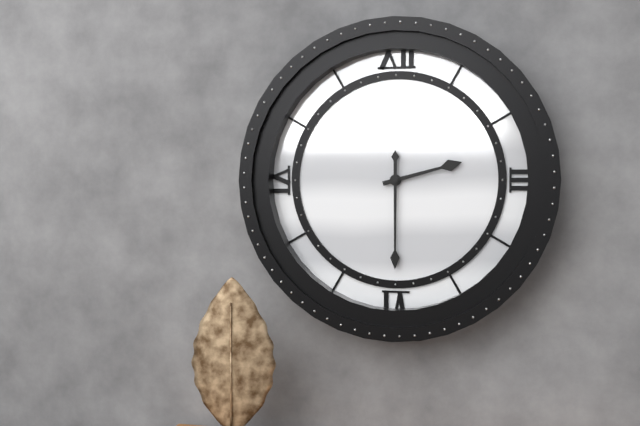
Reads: 2:30
